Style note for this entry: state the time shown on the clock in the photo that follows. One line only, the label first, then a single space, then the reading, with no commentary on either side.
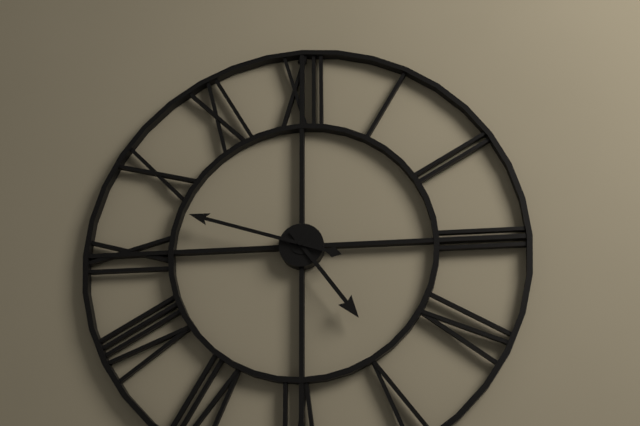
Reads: 4:48
